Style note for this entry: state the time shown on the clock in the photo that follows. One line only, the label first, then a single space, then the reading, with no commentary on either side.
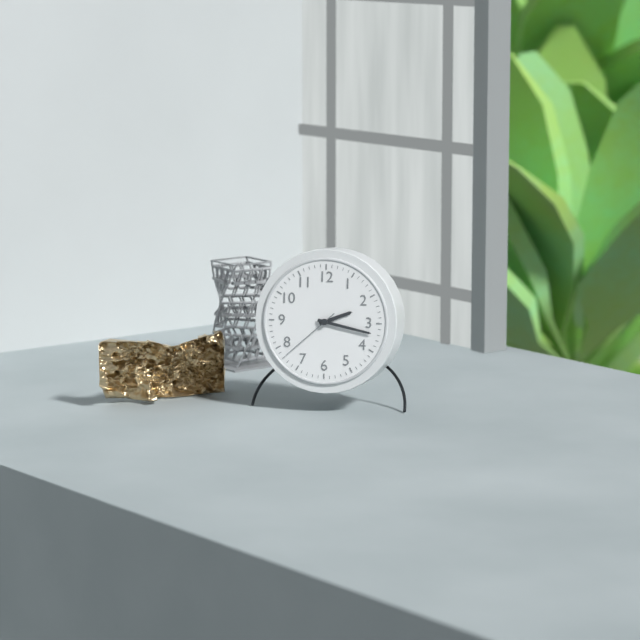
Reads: 2:17:38
